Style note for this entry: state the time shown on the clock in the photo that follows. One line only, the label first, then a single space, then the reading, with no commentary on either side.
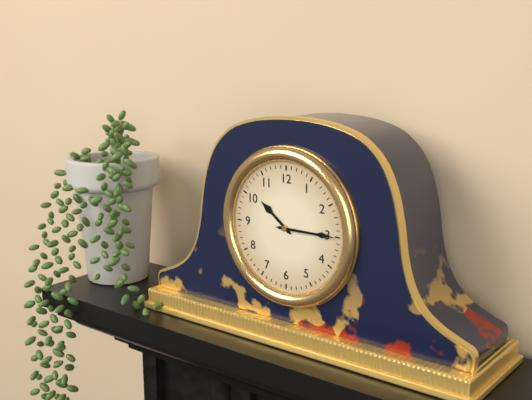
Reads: 10:15
